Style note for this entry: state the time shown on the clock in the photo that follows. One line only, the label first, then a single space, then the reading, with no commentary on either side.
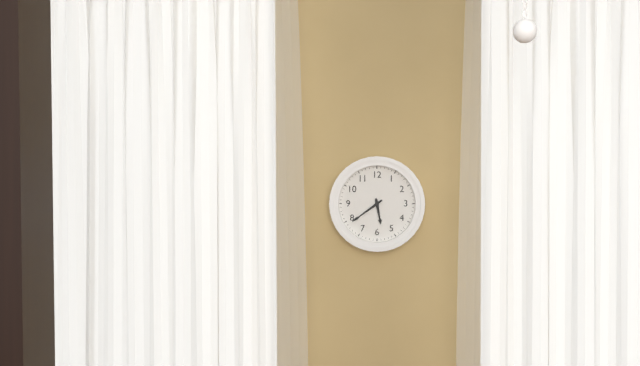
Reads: 5:39
